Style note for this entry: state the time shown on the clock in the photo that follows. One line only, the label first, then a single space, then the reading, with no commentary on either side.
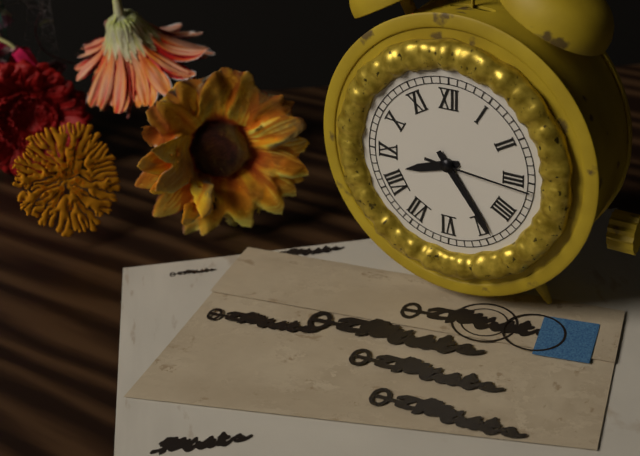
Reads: 8:24:16
